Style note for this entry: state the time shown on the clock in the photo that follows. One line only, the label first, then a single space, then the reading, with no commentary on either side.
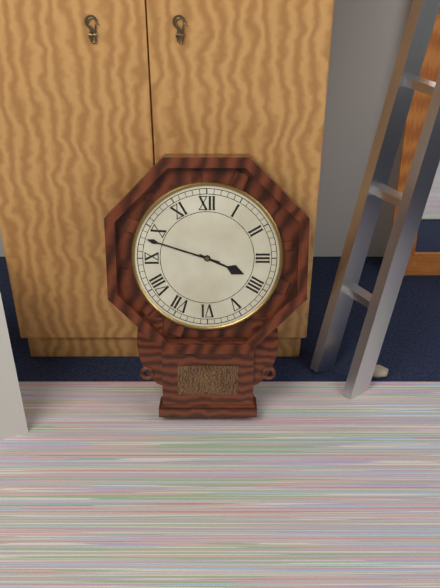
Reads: 3:48
